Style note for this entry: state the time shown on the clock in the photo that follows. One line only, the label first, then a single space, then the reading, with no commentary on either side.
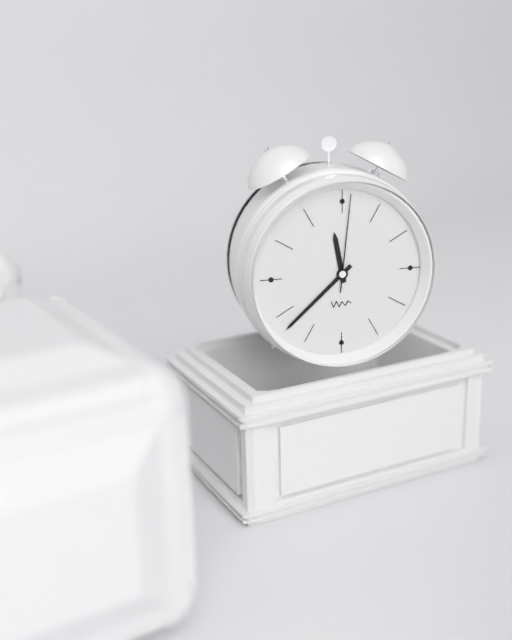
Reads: 11:38:01
